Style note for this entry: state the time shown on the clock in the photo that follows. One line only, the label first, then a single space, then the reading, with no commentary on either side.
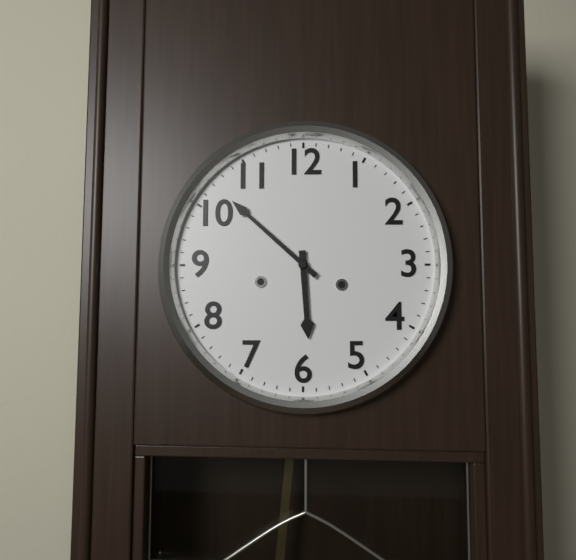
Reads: 5:52
